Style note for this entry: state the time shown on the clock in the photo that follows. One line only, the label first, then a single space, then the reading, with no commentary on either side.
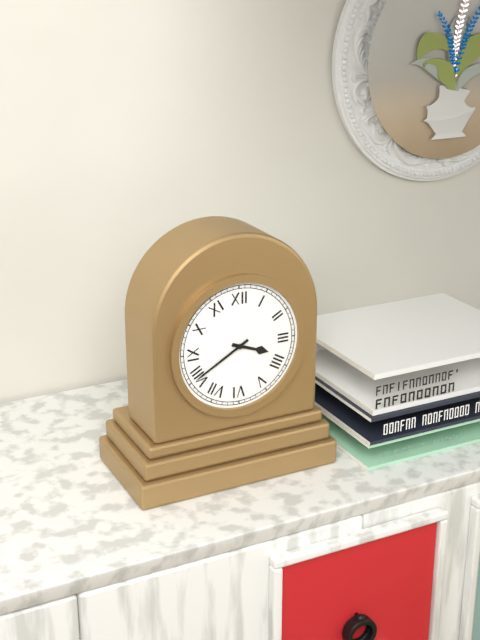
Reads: 3:40
